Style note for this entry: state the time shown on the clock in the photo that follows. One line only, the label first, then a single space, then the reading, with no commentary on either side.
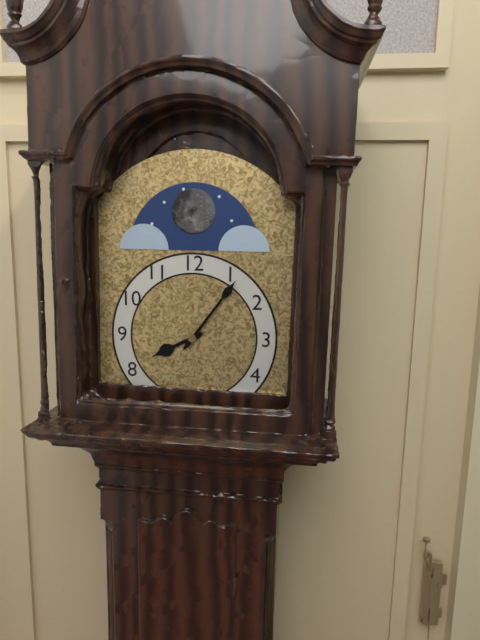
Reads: 8:06
